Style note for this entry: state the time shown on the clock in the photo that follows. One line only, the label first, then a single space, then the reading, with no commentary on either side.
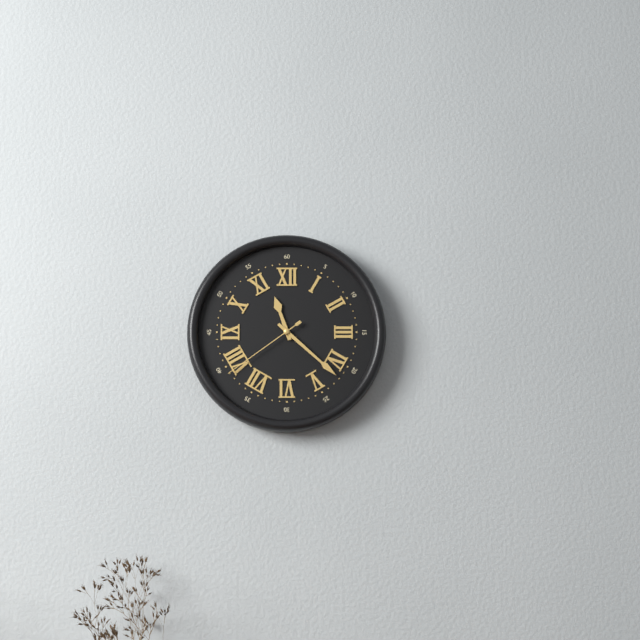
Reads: 11:22:39
